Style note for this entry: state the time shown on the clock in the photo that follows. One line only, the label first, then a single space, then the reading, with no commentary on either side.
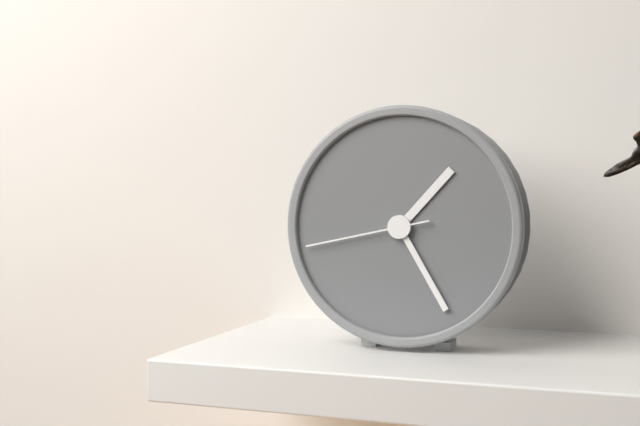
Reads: 1:25:43
